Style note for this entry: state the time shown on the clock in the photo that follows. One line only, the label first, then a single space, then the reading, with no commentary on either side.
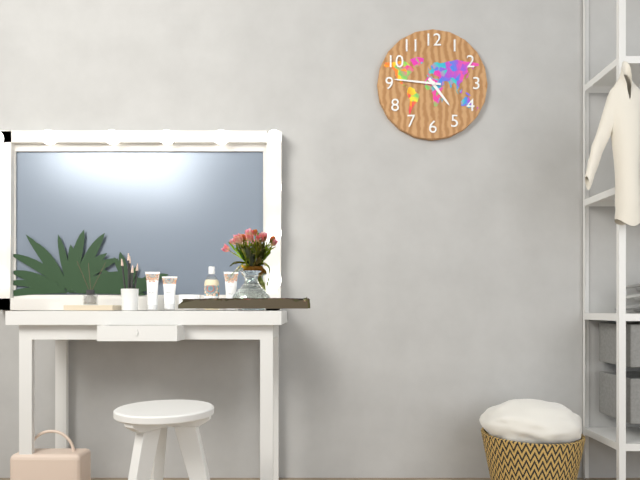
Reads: 4:46
